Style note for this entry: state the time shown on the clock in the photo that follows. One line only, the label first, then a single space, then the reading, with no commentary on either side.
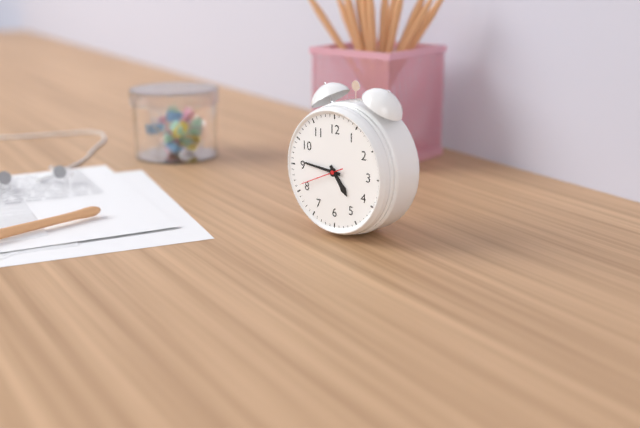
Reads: 4:46
